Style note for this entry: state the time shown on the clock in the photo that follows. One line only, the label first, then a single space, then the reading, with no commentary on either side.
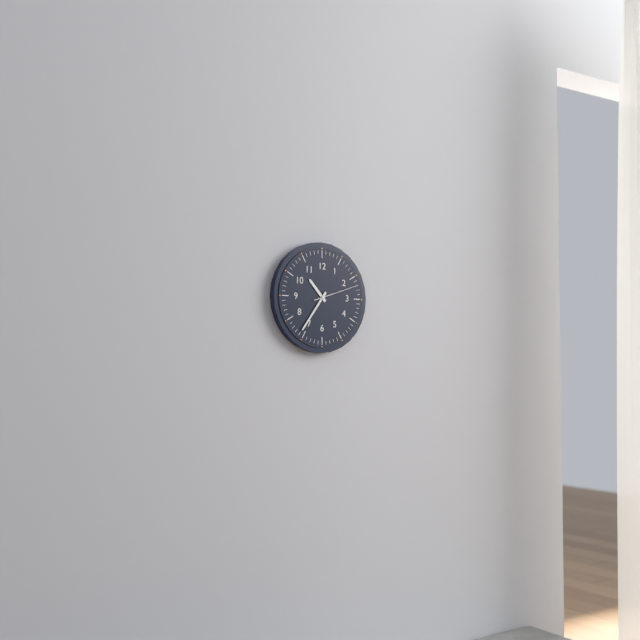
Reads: 10:36
